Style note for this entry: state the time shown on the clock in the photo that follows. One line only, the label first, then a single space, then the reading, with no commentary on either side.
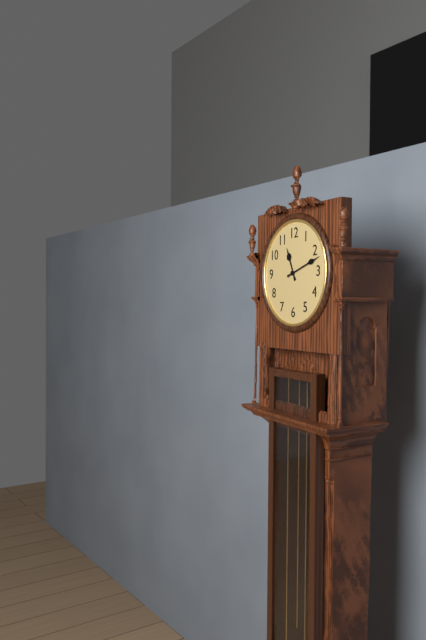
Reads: 11:12
